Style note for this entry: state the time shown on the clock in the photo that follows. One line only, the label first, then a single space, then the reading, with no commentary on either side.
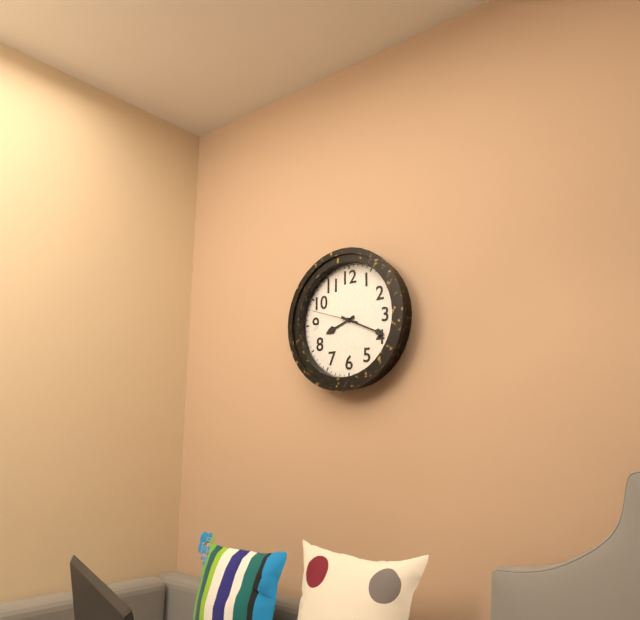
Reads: 8:19
